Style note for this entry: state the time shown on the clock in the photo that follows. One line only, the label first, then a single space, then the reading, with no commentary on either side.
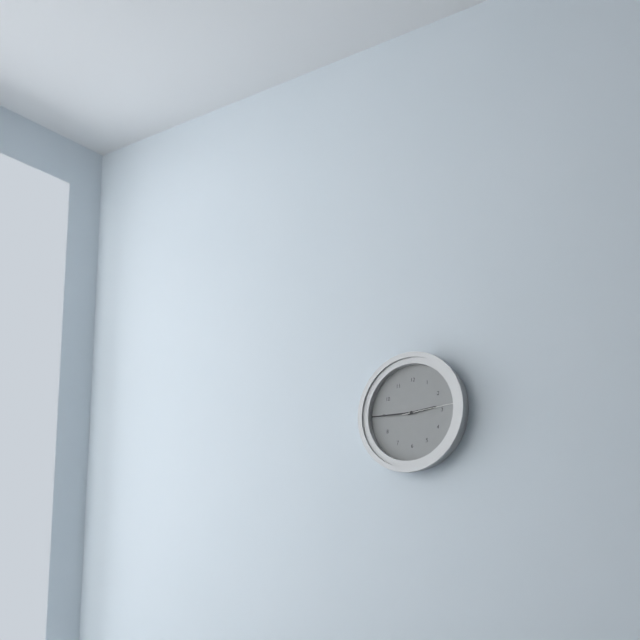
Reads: 2:45:14
